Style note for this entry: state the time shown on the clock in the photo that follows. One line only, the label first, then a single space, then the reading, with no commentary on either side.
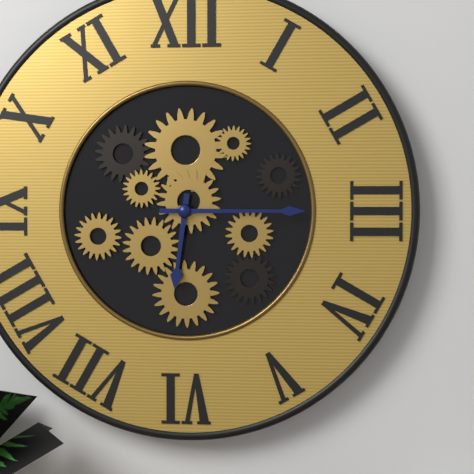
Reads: 6:15
